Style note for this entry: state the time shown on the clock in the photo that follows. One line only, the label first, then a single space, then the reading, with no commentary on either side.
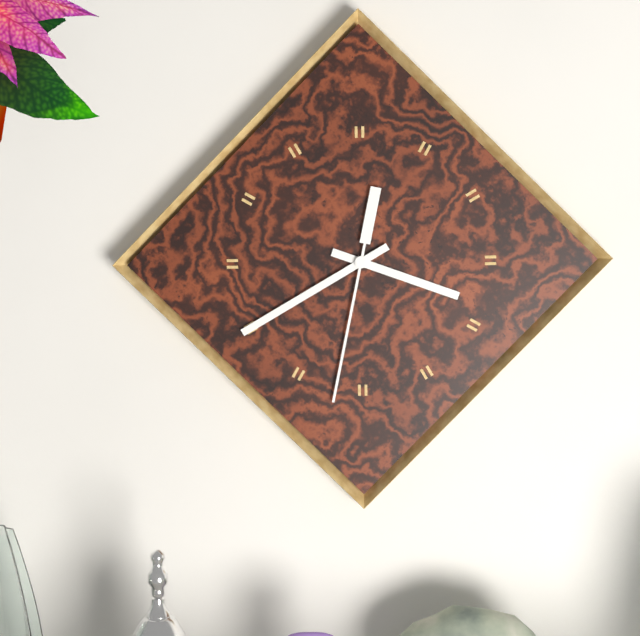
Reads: 3:40:32
